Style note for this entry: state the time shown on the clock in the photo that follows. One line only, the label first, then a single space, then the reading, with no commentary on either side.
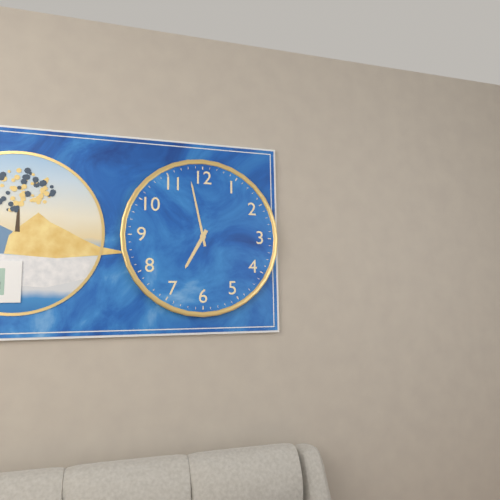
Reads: 6:58
